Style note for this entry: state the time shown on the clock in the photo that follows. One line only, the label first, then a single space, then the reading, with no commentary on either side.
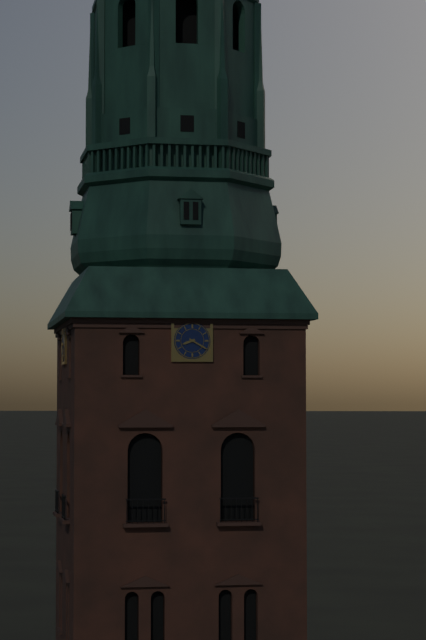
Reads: 8:20
